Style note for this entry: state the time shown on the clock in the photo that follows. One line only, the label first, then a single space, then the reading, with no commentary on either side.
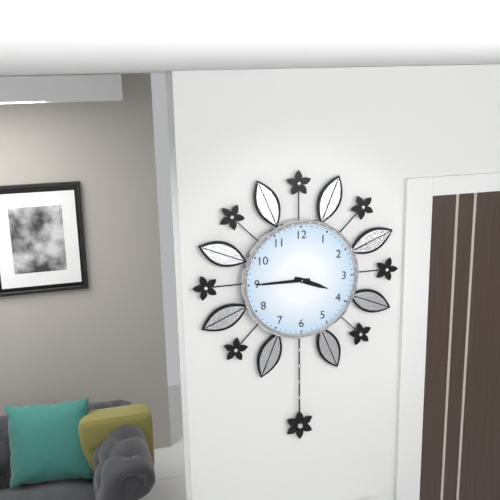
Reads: 3:45
